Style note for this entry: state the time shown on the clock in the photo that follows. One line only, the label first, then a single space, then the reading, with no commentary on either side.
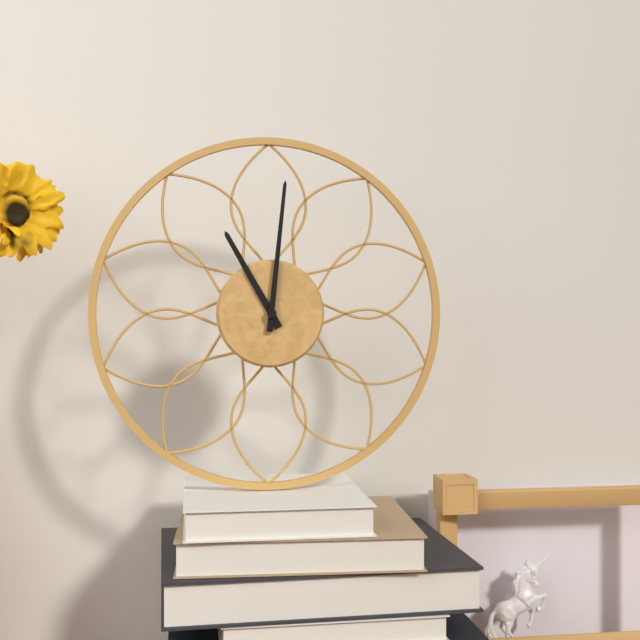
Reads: 11:01
